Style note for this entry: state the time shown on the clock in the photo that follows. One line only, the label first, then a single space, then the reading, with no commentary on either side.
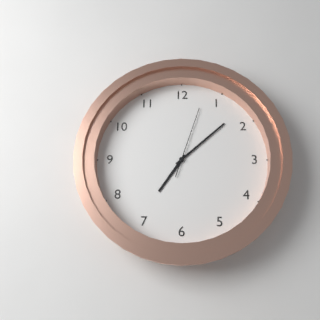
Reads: 7:08:03
